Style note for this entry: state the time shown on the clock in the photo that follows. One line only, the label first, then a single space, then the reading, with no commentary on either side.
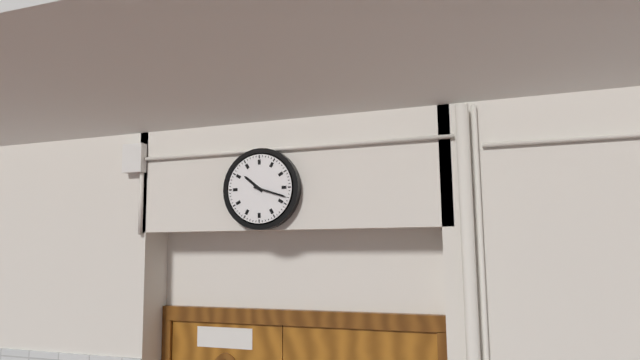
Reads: 10:18
